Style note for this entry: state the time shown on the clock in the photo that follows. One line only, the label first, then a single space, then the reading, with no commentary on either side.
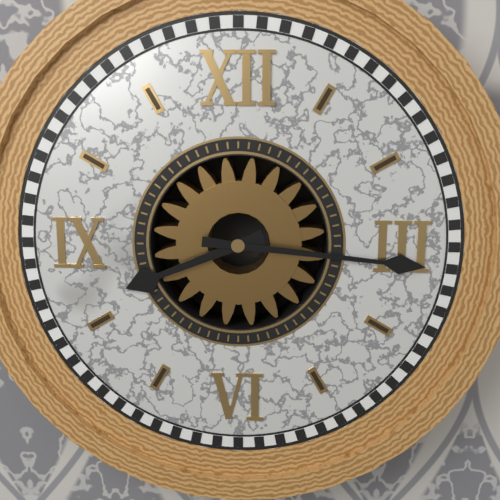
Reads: 8:16
